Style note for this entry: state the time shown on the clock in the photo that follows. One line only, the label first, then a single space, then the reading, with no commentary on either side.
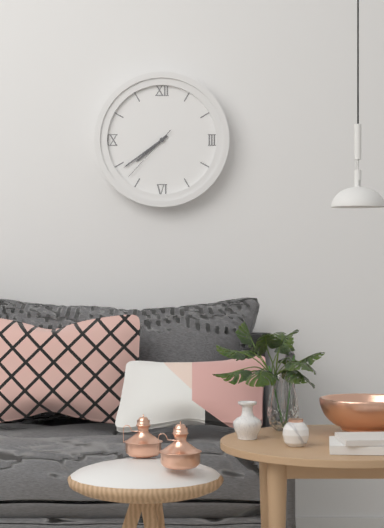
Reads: 7:39:37
